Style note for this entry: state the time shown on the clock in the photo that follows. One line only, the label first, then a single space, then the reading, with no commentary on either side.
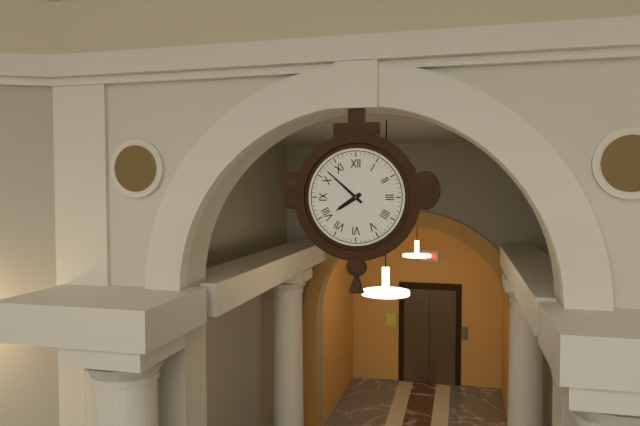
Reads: 7:52
